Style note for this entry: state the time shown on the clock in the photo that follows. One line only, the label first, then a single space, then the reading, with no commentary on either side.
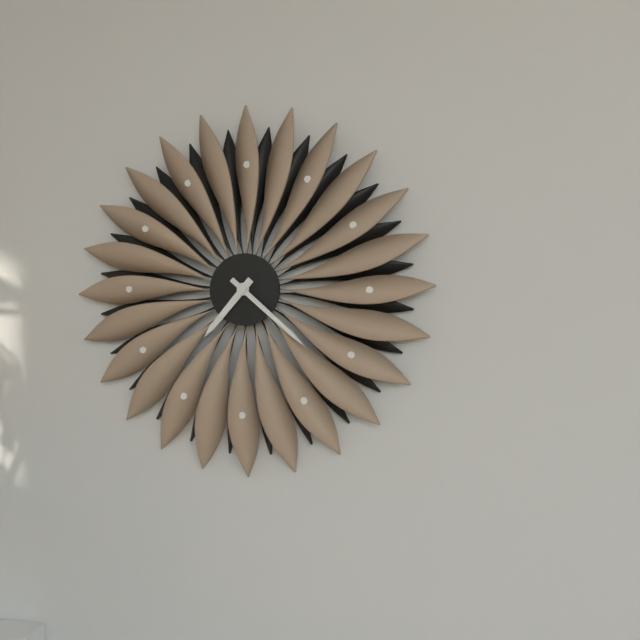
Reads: 7:22
